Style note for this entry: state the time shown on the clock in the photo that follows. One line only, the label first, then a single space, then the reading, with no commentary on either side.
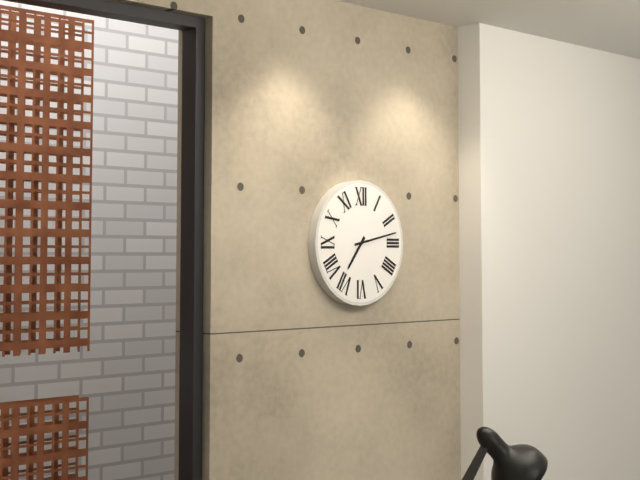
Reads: 7:13
